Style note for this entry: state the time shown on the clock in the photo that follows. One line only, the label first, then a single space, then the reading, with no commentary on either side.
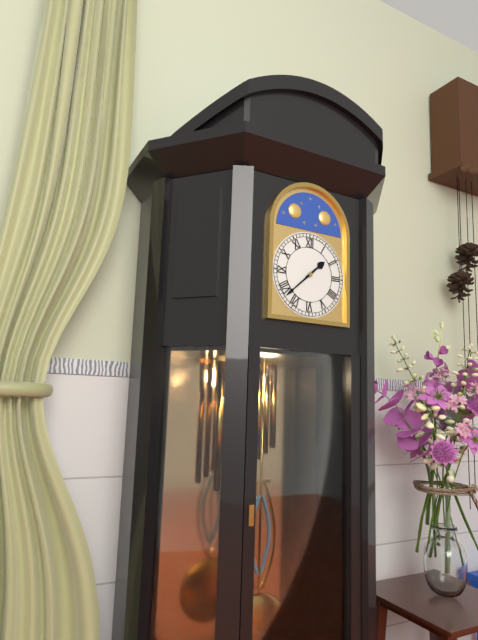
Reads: 1:38
